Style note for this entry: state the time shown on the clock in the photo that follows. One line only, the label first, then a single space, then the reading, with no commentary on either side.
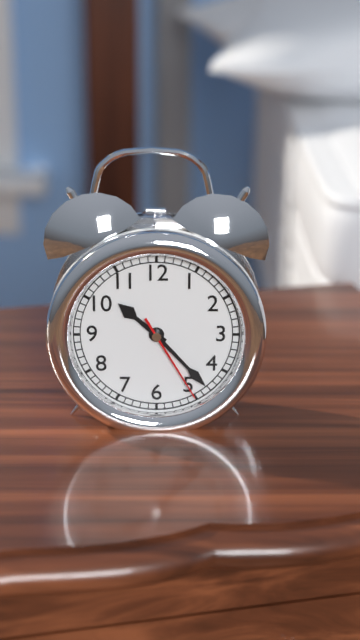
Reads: 10:23:25
